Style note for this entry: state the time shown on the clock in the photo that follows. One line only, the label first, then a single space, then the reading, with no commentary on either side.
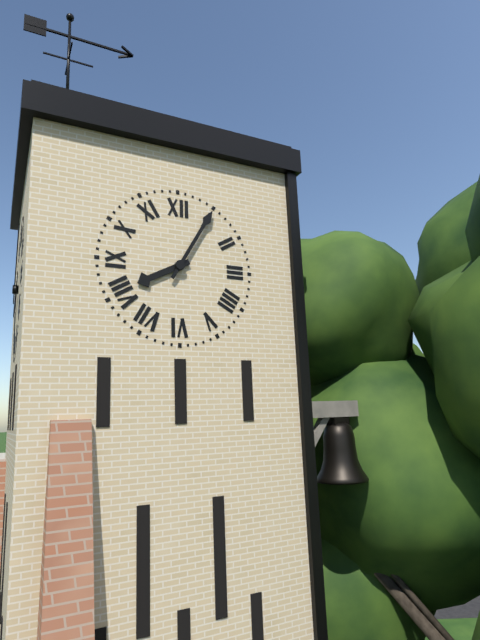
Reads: 8:05
